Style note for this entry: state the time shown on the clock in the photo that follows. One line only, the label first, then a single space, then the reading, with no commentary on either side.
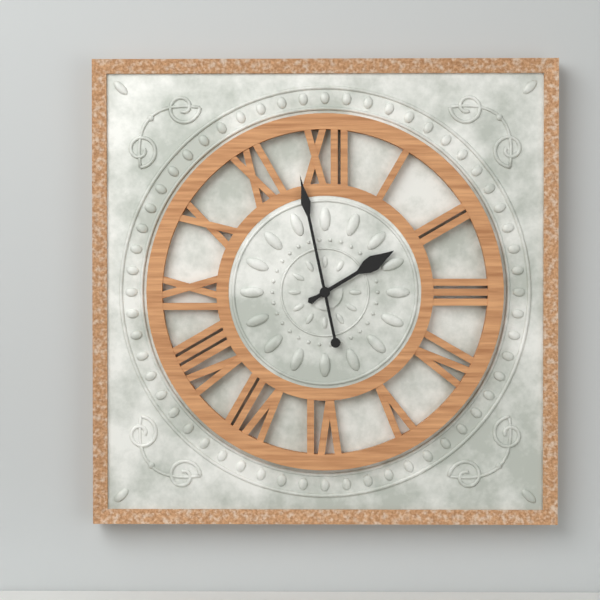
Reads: 1:58
